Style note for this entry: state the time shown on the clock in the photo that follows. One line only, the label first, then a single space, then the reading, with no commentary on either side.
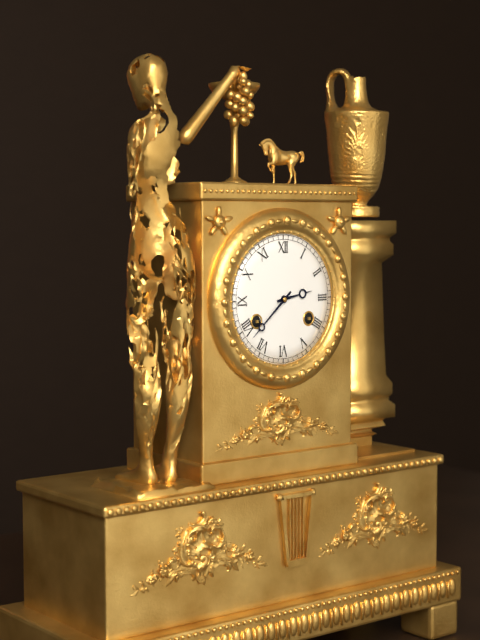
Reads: 2:38
